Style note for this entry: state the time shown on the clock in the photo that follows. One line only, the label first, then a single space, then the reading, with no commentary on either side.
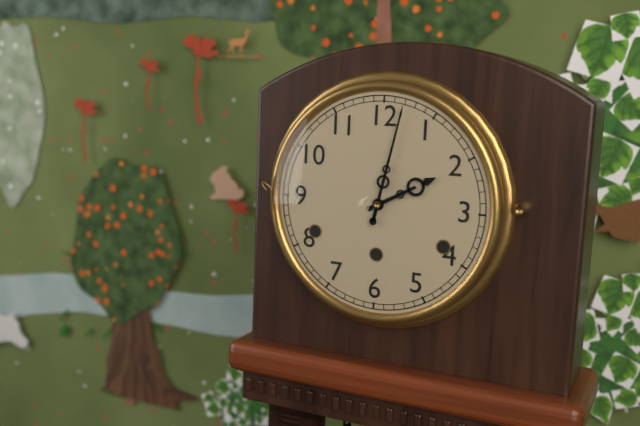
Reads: 2:02
